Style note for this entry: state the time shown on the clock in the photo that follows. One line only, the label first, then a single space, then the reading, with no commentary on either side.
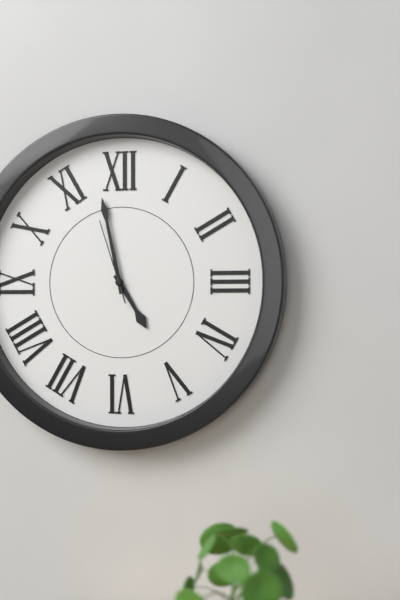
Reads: 4:58:57
